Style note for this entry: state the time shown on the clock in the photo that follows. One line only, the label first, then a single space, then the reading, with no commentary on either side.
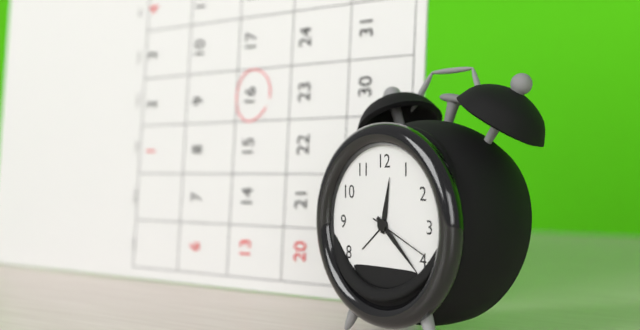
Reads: 12:22:19
